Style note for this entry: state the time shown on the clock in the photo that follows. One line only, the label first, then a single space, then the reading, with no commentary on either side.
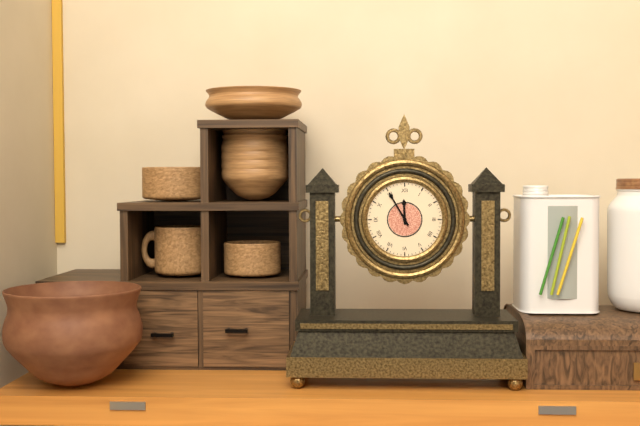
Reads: 11:55
